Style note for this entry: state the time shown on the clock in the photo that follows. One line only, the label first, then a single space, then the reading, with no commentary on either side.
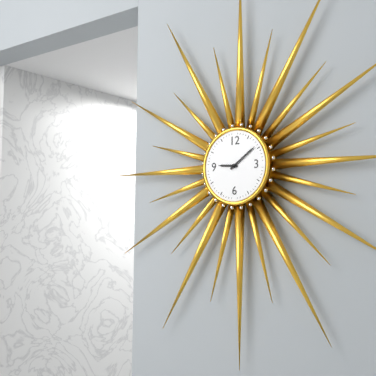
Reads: 9:09
